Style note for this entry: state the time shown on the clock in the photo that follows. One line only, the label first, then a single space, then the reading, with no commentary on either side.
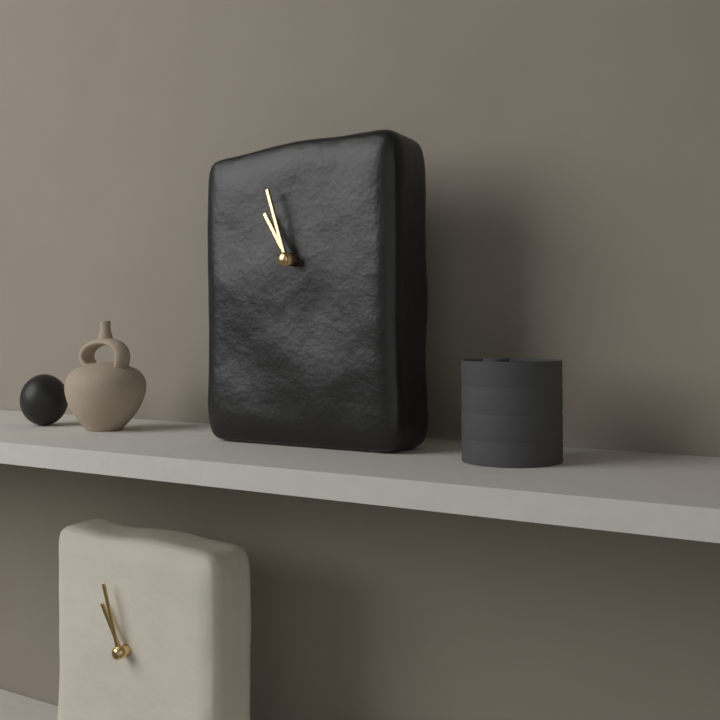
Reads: 10:57
